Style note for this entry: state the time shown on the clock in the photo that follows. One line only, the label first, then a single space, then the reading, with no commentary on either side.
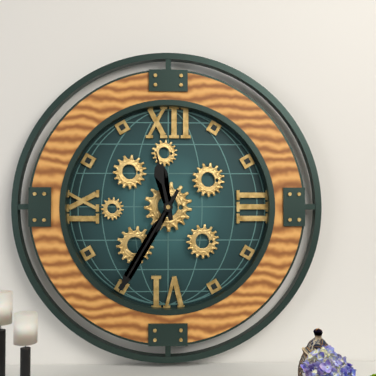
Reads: 11:35
